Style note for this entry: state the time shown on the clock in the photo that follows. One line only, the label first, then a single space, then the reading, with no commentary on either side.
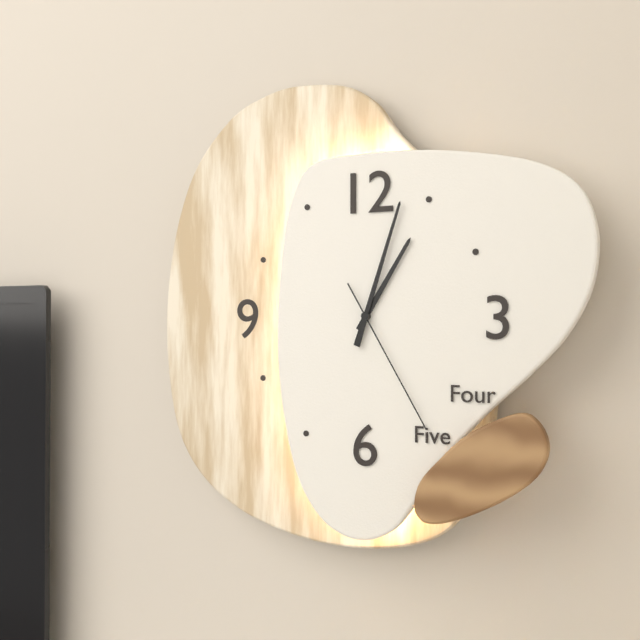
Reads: 1:03:25
